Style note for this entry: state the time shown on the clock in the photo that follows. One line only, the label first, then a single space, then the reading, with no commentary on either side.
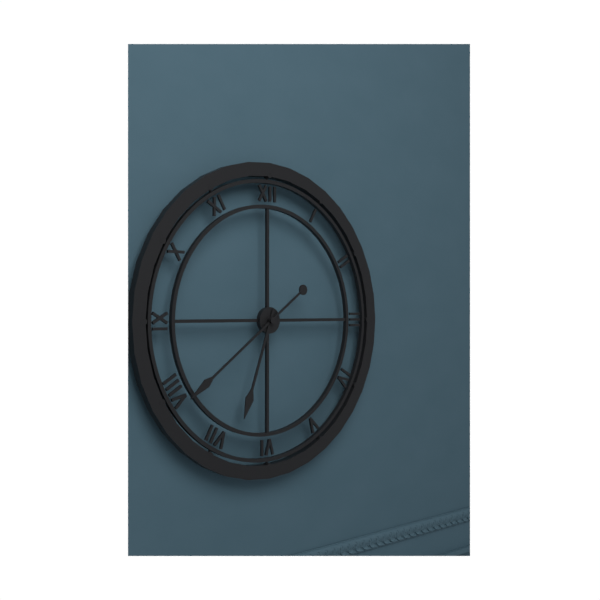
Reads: 6:39
